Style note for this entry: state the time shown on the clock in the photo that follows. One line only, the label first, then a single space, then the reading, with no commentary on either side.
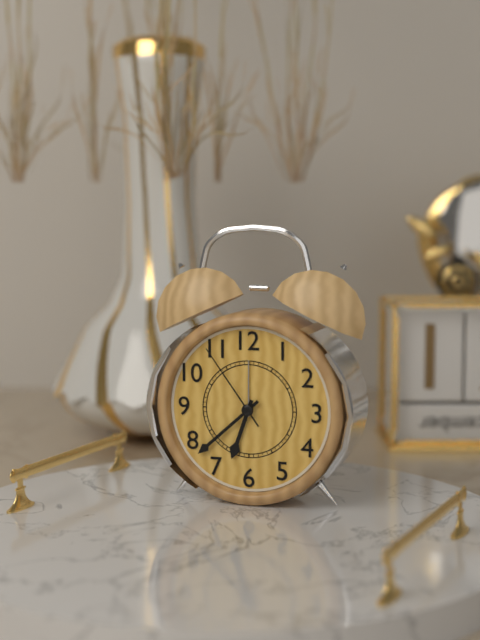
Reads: 6:38:54
